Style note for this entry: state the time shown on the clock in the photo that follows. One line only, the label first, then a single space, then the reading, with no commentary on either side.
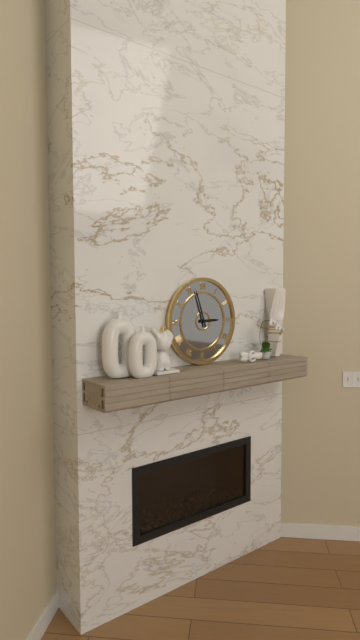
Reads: 2:57
